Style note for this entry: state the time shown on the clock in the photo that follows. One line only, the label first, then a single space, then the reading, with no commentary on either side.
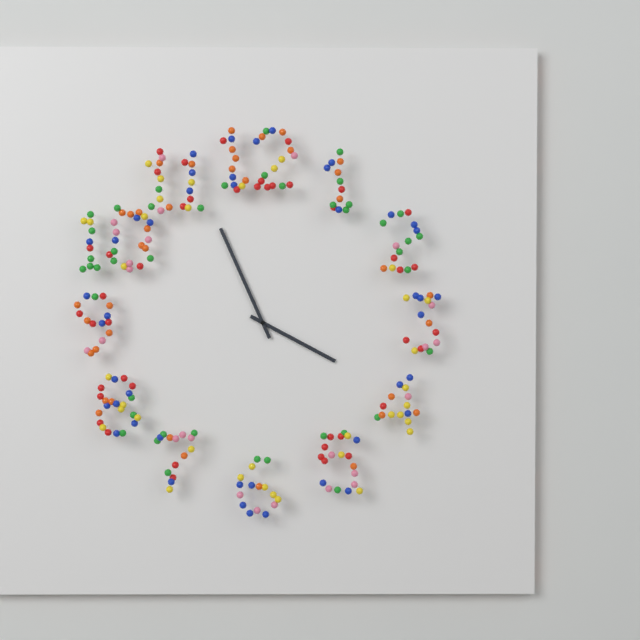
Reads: 3:56
